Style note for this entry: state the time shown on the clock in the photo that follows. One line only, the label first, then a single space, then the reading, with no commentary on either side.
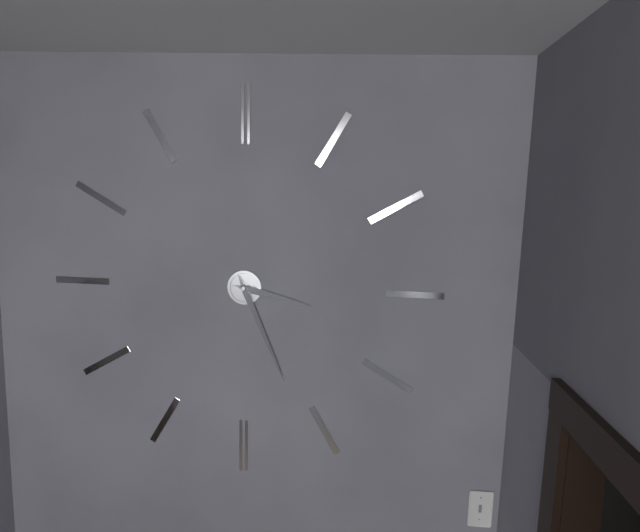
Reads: 3:26
